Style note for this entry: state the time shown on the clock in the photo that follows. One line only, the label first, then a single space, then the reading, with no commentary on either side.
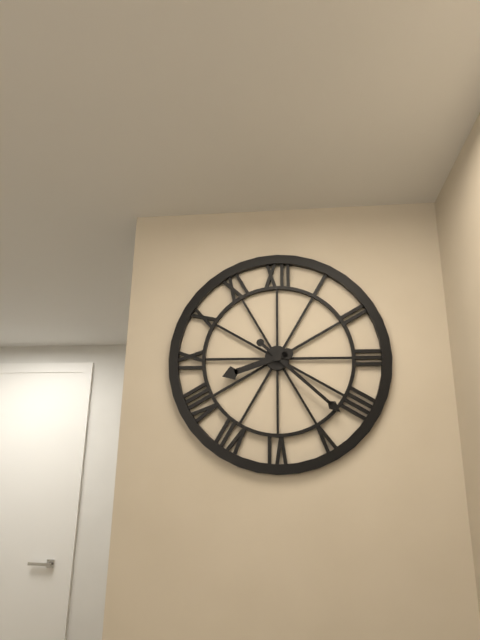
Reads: 8:22
